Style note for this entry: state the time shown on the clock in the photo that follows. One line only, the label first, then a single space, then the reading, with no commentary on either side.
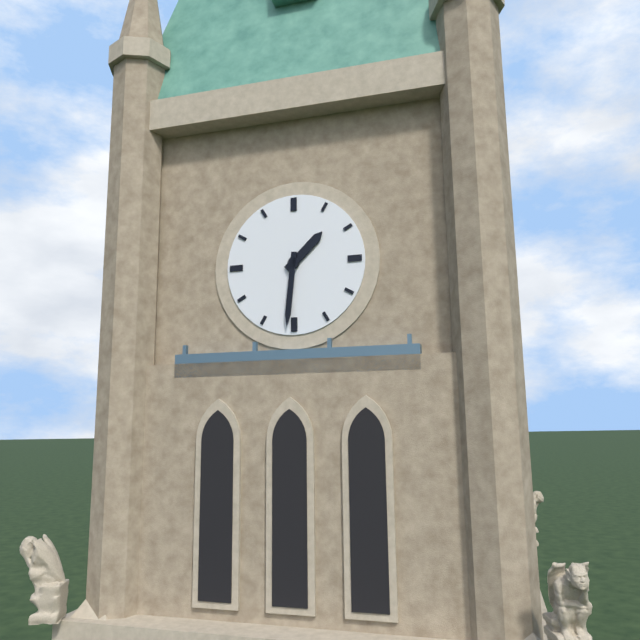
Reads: 1:31
